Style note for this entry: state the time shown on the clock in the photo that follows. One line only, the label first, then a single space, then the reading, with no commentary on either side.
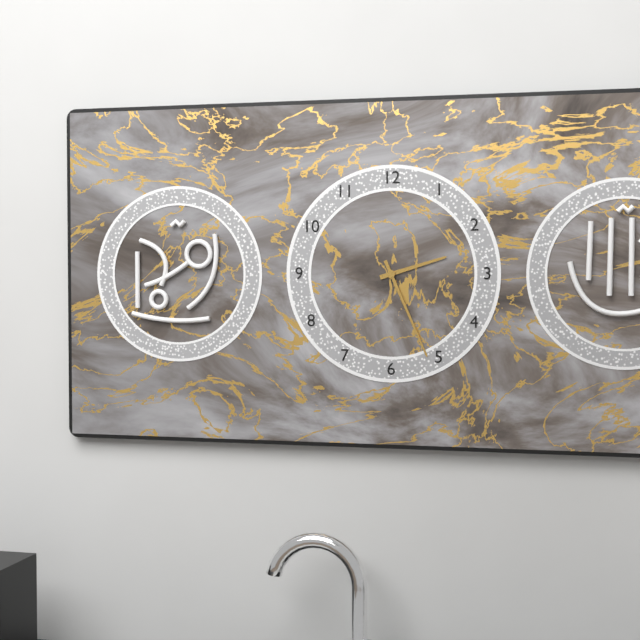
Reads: 2:26
